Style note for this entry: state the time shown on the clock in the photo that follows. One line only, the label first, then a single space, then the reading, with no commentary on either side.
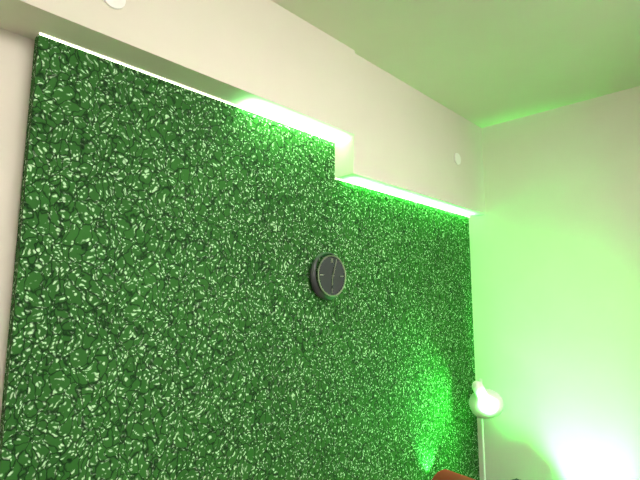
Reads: 6:03
